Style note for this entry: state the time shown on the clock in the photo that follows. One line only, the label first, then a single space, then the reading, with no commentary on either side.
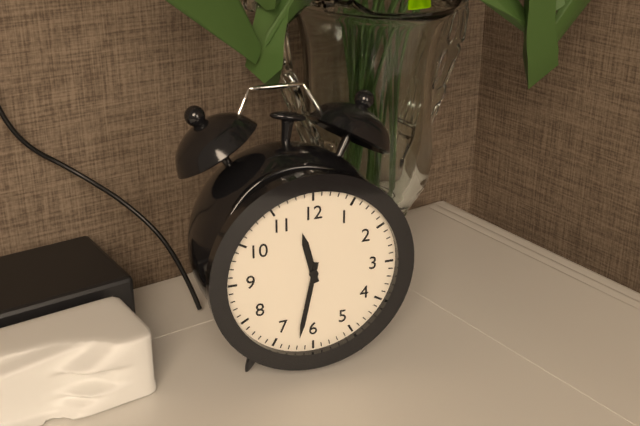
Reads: 11:32
